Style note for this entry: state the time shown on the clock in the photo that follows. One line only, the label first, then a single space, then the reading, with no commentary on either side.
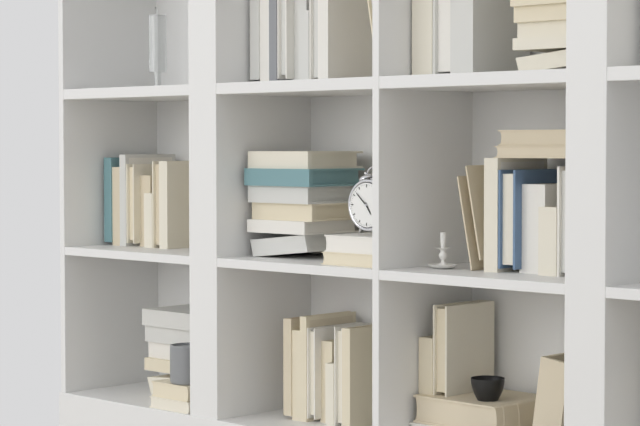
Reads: 4:52
